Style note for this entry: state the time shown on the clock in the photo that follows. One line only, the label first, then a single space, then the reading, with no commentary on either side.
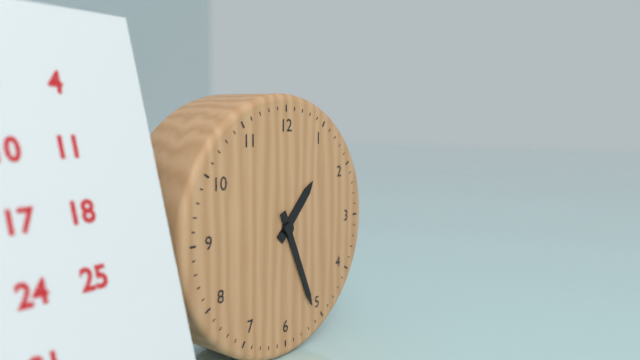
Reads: 1:26
